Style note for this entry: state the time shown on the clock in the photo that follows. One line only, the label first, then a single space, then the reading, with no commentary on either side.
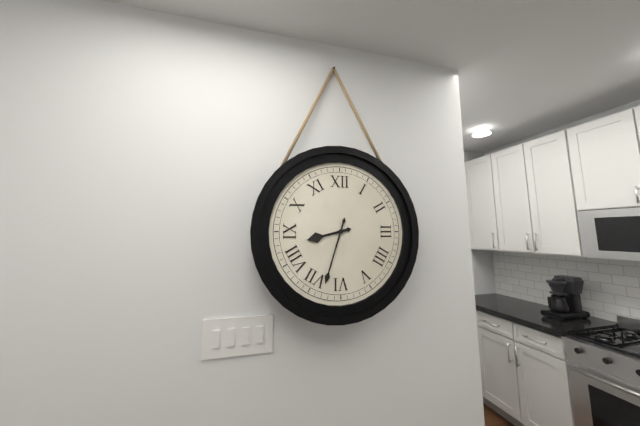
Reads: 8:33
